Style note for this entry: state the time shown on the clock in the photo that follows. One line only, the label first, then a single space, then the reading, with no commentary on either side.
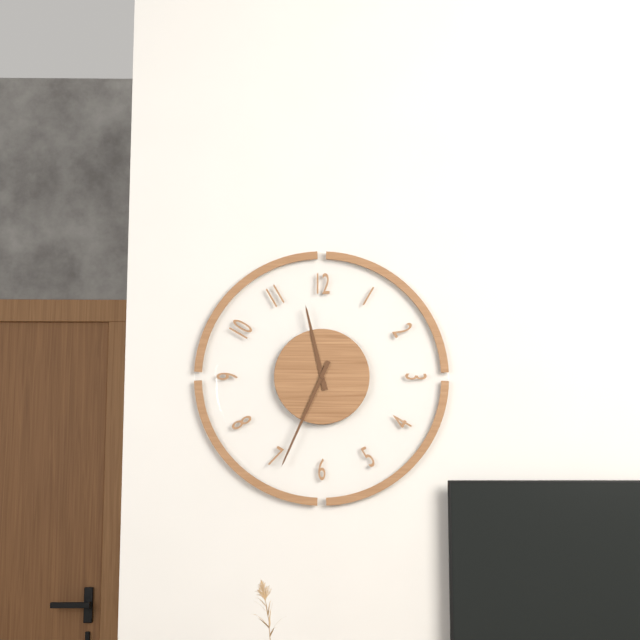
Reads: 11:34
